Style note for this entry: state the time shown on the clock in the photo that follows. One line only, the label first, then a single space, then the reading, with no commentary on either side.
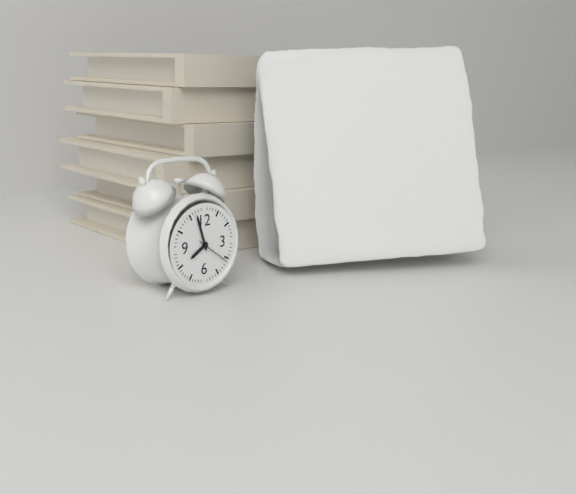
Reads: 7:57
